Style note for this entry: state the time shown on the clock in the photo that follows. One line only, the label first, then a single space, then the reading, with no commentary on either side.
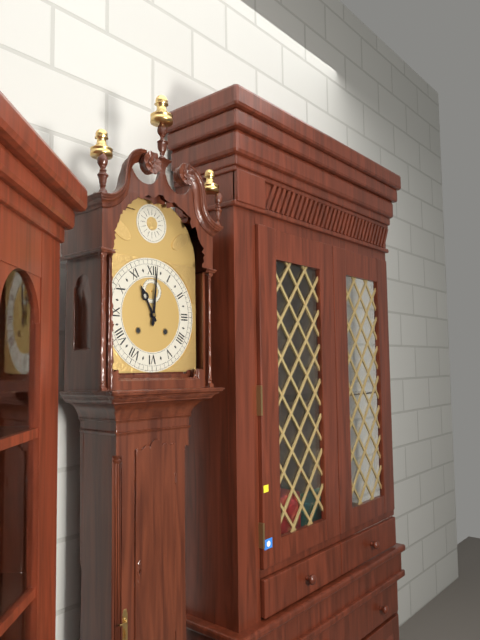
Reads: 11:01
